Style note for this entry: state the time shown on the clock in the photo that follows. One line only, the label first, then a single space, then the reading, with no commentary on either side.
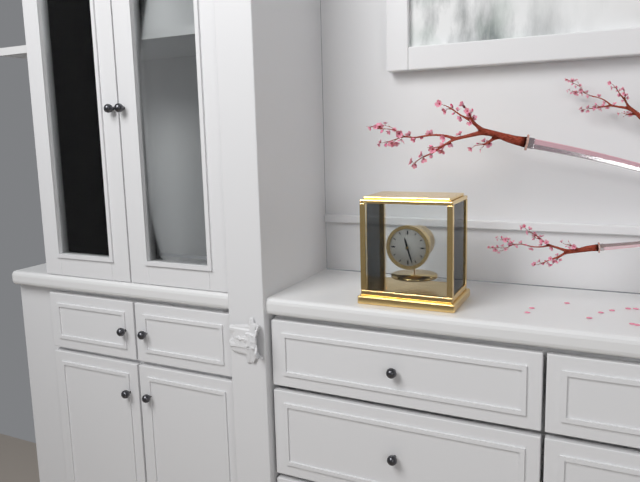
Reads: 11:27
